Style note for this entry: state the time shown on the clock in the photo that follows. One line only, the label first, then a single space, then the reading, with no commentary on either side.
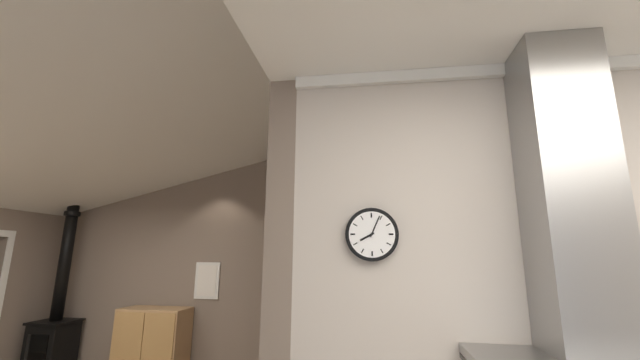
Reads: 8:04
